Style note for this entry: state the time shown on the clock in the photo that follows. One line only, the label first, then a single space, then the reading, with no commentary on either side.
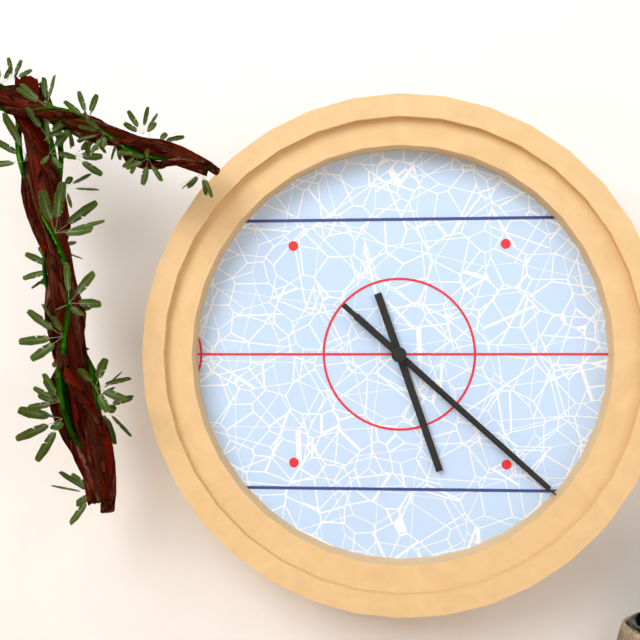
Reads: 5:22:22
